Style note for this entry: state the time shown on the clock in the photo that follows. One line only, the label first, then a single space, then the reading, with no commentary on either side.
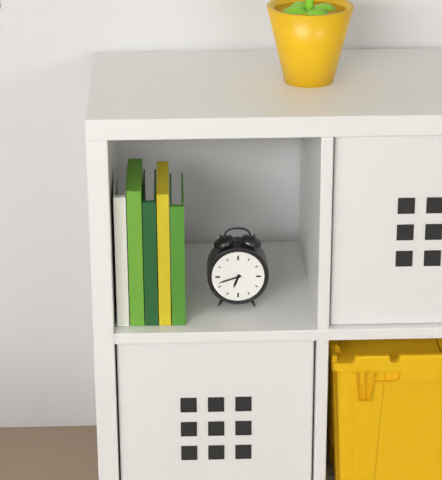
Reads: 6:42
